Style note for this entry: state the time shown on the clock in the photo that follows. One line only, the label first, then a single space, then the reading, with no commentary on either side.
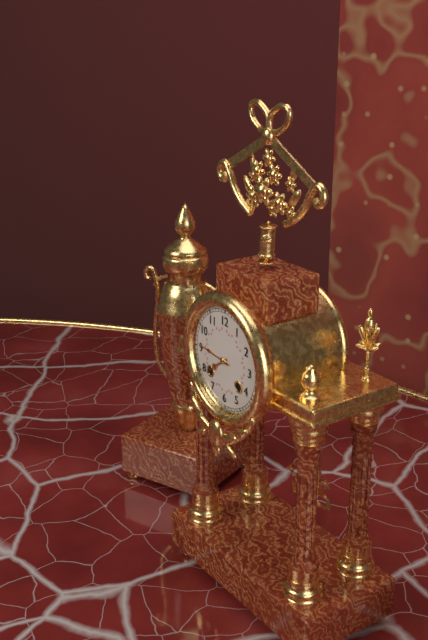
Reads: 7:46
